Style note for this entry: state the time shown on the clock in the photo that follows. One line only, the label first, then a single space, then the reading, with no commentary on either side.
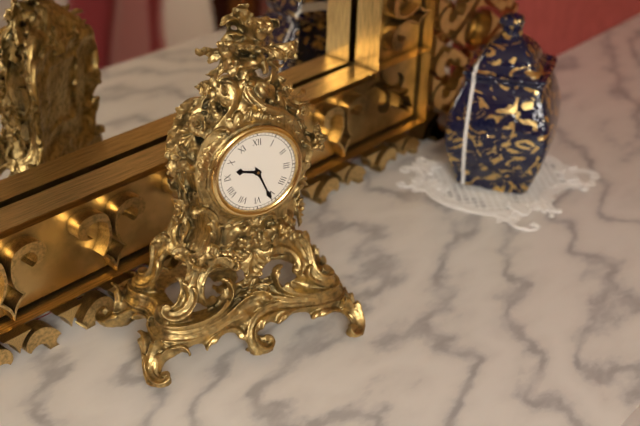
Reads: 9:26
